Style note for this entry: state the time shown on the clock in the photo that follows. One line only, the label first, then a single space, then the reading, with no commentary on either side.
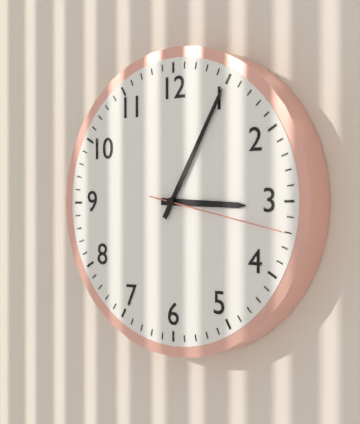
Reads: 3:05:17
